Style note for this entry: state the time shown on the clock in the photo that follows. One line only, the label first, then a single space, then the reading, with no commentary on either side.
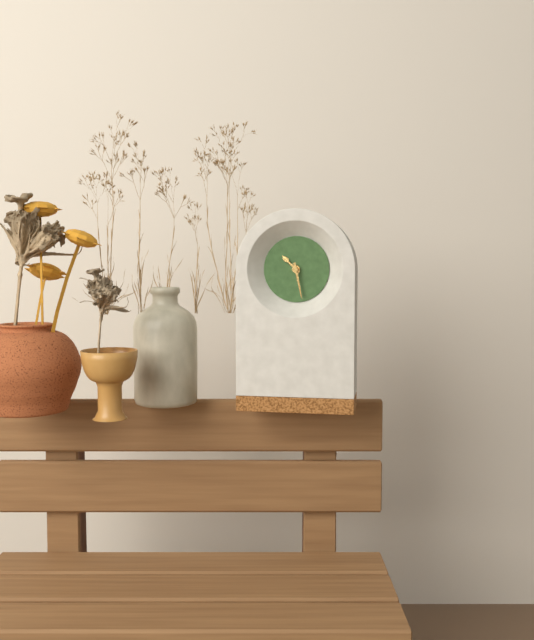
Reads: 10:28
